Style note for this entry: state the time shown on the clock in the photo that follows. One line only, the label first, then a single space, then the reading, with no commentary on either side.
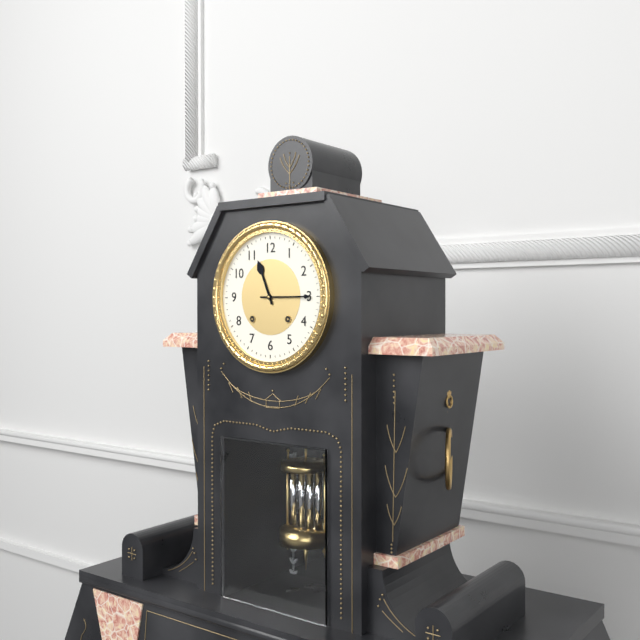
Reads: 11:15
